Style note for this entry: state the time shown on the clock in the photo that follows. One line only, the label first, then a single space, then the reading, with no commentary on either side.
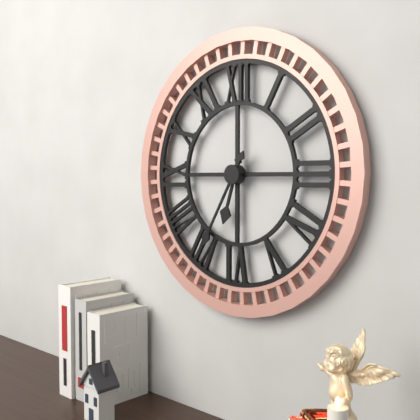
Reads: 6:35
